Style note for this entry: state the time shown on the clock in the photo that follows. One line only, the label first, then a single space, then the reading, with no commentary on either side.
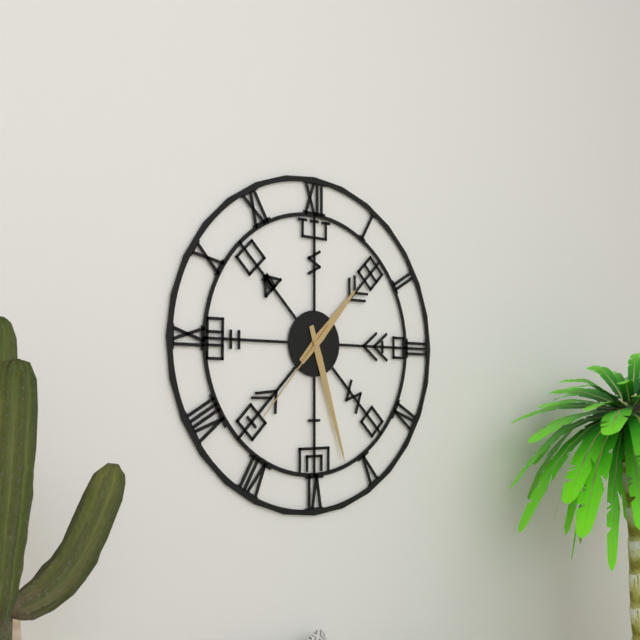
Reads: 1:27:37
